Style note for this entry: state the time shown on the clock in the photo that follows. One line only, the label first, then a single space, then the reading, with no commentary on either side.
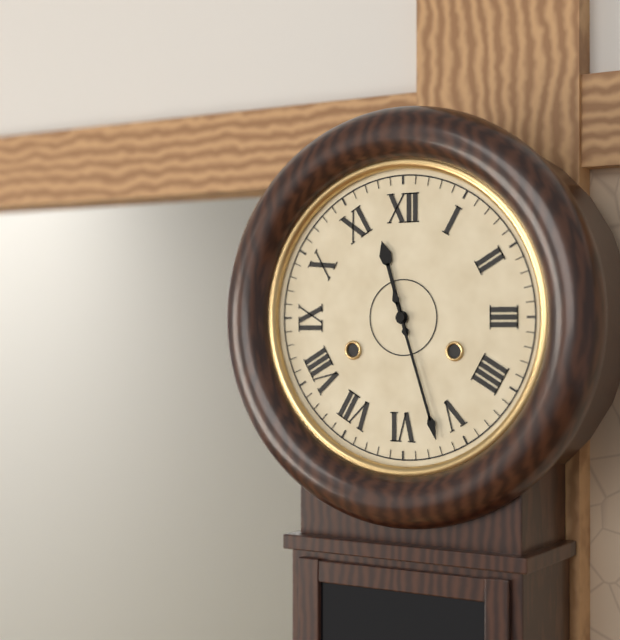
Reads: 11:27
